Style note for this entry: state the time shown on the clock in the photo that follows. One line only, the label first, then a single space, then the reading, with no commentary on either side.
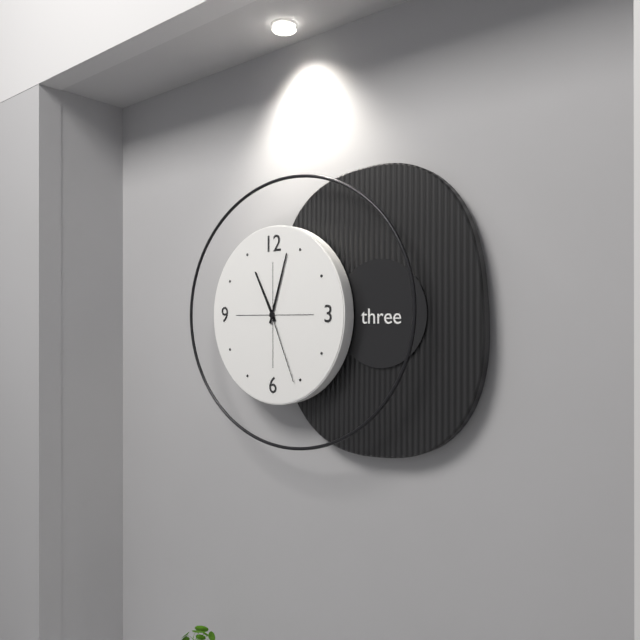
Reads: 11:03:26
